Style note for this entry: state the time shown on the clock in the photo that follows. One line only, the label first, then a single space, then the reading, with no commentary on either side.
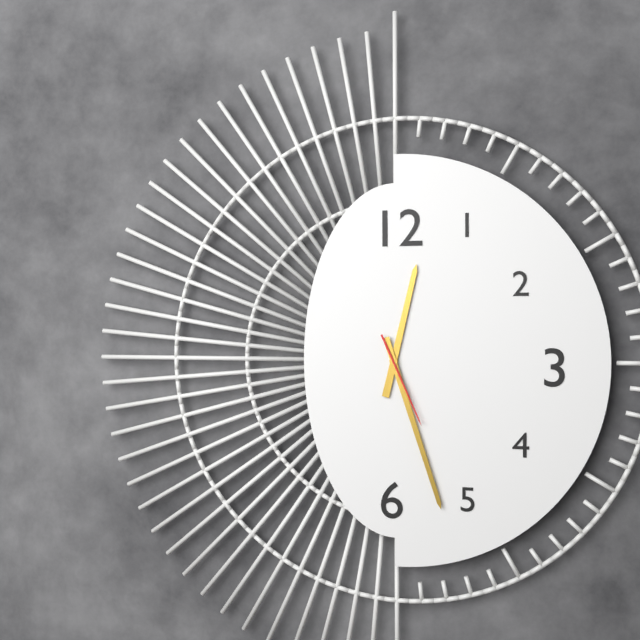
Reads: 12:27:26
